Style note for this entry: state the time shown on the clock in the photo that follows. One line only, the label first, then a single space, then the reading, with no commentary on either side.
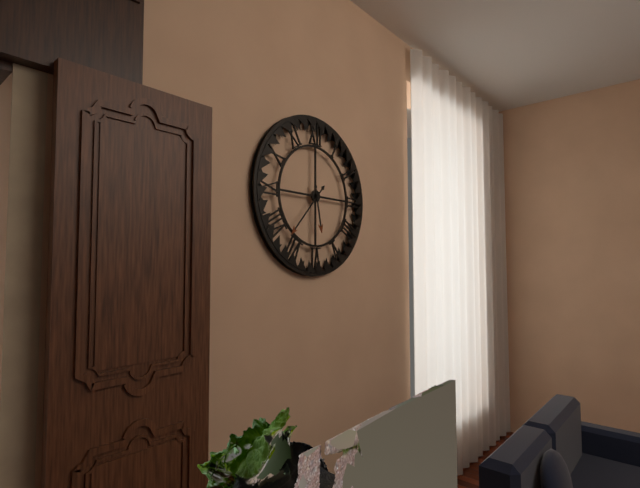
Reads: 5:37
